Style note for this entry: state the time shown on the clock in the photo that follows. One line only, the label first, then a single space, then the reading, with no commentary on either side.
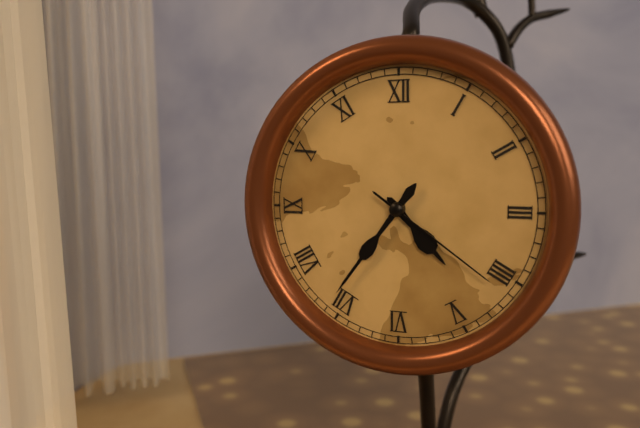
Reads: 4:36:21
